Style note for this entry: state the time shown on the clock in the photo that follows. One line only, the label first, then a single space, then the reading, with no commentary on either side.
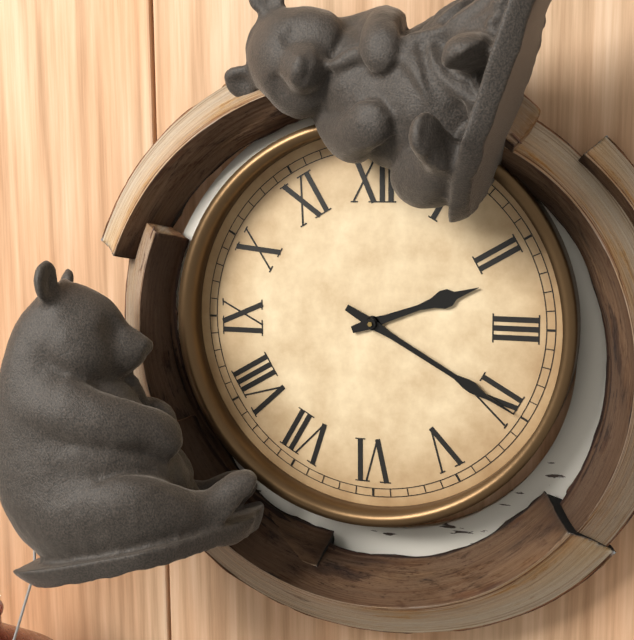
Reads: 2:20
